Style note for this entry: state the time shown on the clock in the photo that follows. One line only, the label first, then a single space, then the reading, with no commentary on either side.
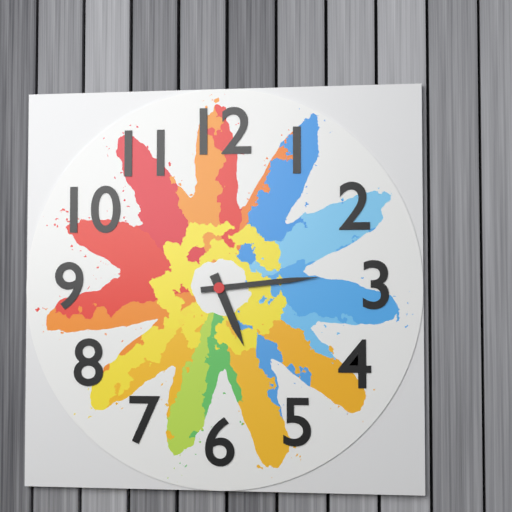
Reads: 5:14
